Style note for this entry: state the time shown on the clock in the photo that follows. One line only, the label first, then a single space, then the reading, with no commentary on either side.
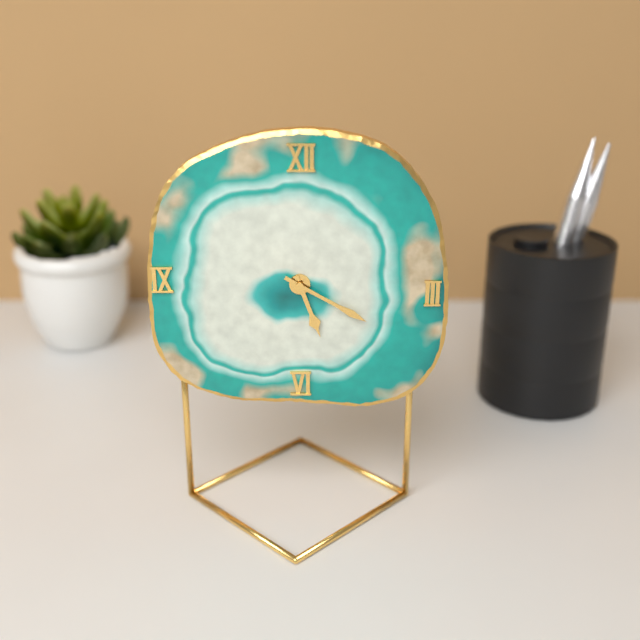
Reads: 5:20
